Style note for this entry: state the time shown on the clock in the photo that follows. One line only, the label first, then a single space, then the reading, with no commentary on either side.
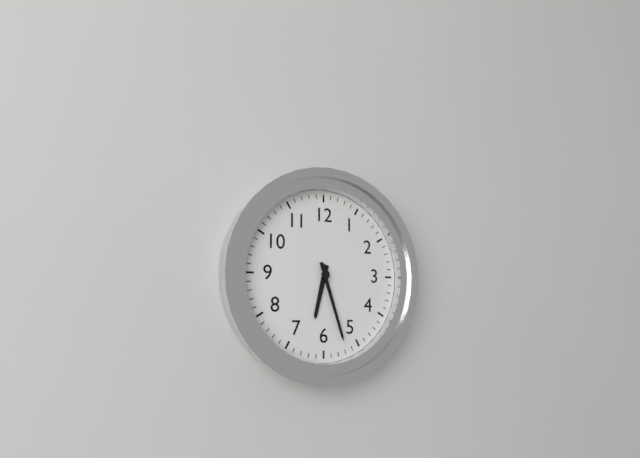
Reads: 6:27
